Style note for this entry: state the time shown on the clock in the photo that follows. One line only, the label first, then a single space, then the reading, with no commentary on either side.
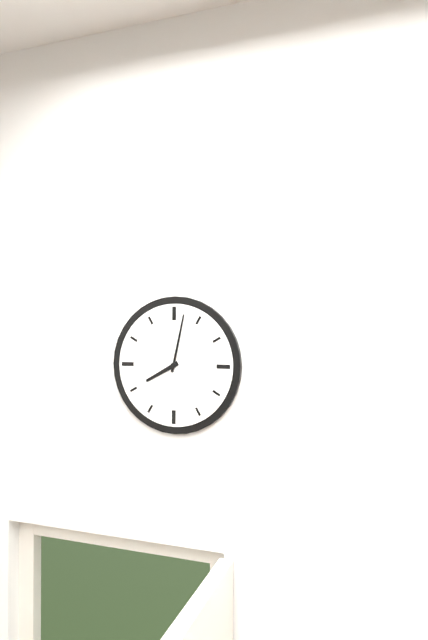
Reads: 8:02
